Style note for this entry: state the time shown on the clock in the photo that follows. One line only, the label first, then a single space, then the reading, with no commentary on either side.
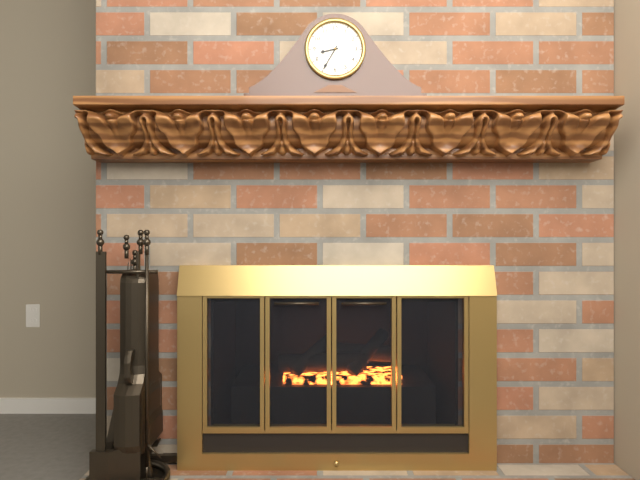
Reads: 8:35
